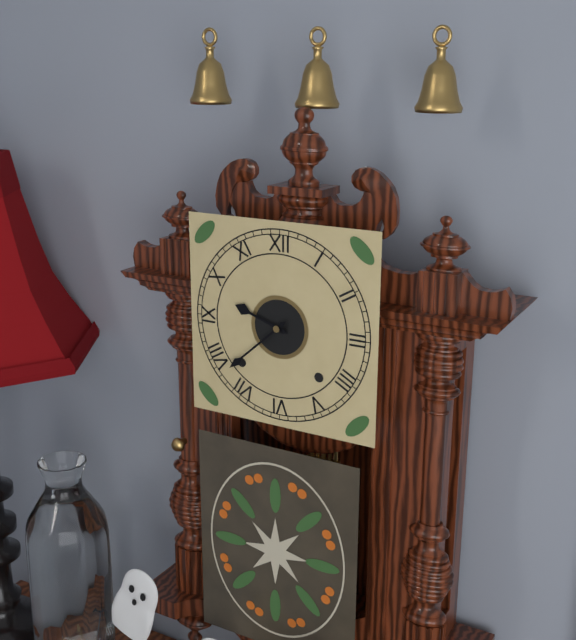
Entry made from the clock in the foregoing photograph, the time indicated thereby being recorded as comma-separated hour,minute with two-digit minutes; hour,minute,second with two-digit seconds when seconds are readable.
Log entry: 9,38
